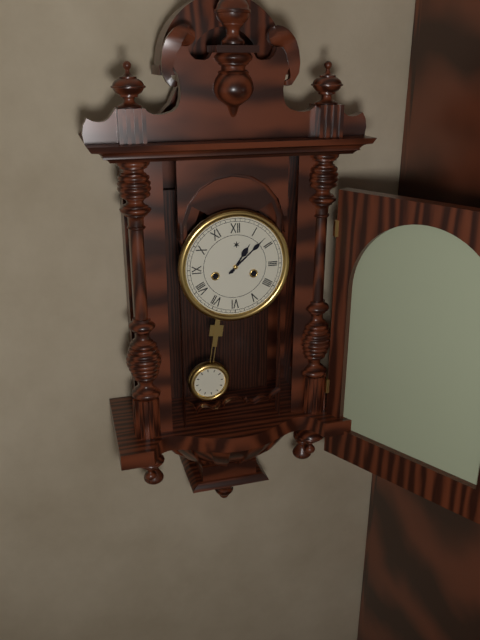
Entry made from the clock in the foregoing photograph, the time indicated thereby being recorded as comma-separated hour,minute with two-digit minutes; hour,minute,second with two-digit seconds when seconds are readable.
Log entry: 1,08
